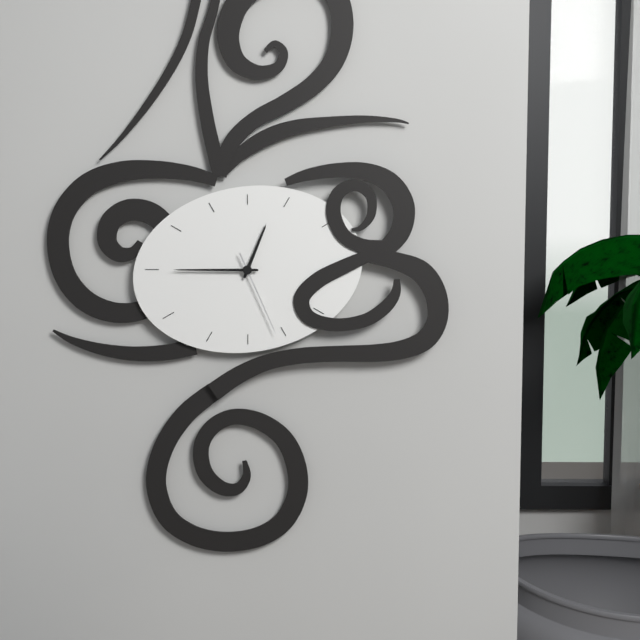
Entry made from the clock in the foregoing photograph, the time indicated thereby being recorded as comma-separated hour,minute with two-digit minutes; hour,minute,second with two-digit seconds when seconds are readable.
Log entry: 12,45,26
